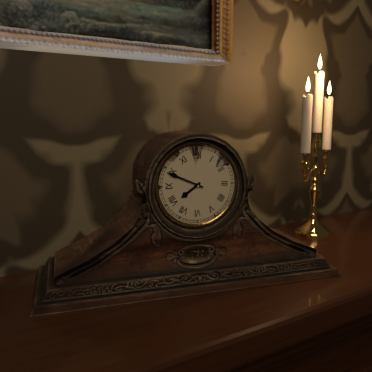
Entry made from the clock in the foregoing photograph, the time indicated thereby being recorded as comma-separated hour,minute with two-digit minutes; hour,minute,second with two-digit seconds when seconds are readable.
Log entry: 7,49
